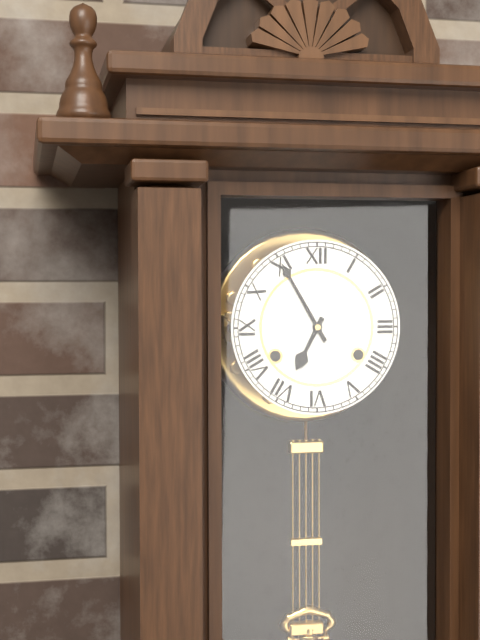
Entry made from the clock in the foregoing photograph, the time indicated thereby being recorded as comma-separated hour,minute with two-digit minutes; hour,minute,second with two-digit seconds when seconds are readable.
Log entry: 6,55
